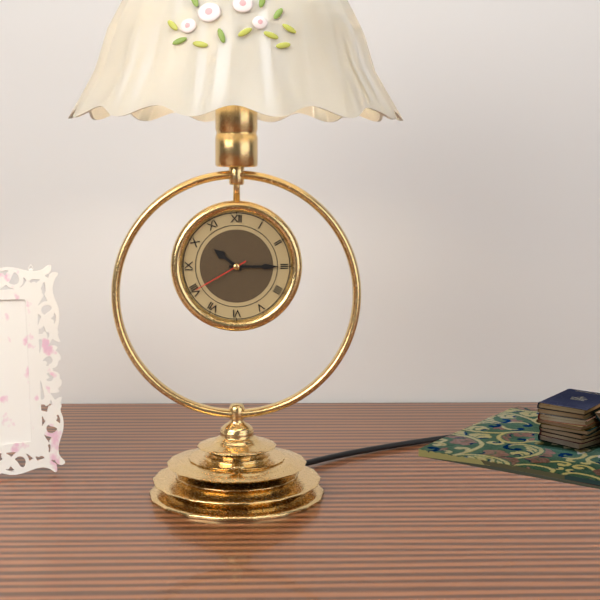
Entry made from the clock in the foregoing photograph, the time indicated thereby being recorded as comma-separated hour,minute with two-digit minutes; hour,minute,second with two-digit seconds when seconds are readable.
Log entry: 10,15,40
